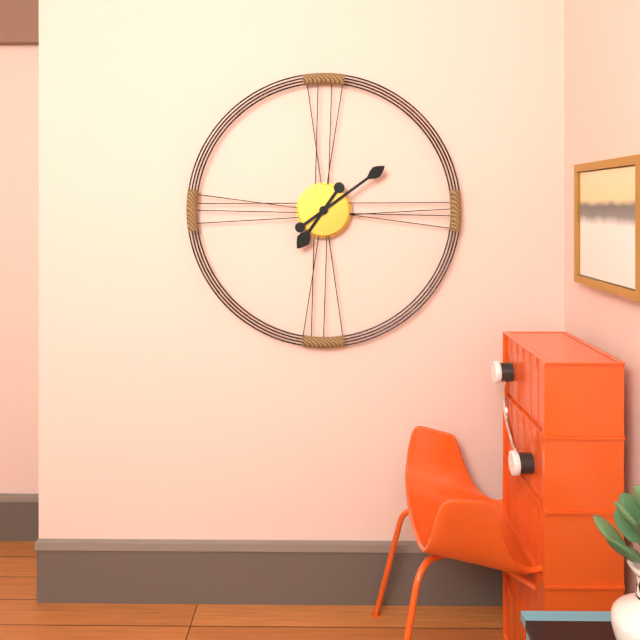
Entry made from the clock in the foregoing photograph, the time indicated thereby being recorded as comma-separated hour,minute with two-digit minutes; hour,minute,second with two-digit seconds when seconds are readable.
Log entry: 7,09
